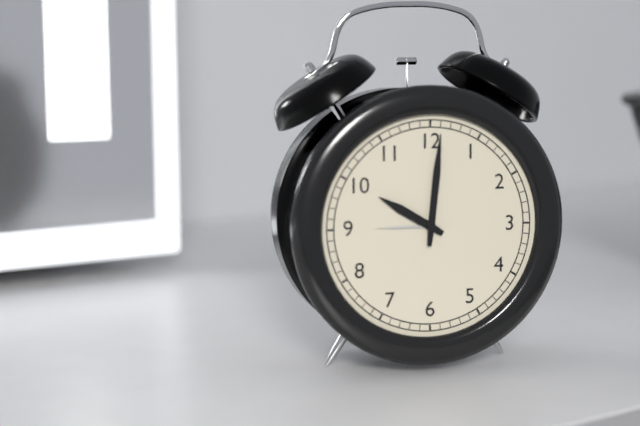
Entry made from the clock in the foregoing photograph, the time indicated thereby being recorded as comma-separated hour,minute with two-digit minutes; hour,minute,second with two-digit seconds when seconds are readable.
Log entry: 10,01
